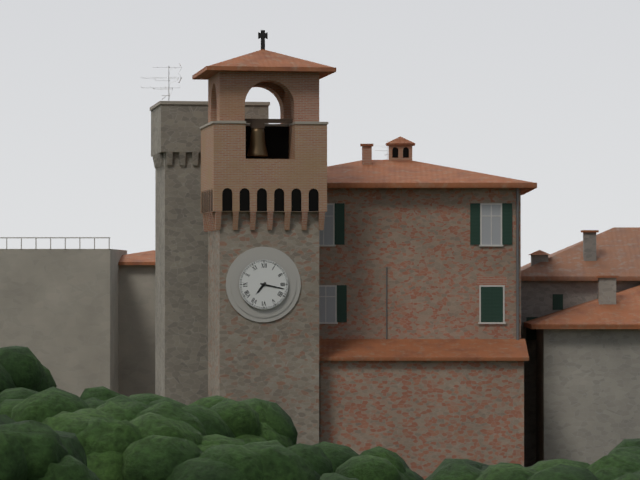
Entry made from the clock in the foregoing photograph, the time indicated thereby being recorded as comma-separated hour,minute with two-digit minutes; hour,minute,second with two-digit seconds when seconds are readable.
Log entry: 7,17
